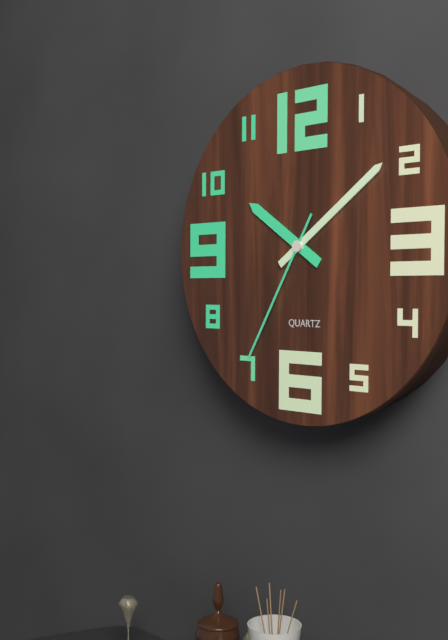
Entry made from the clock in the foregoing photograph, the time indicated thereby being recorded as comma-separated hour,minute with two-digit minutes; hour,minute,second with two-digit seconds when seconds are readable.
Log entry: 10,09,35
